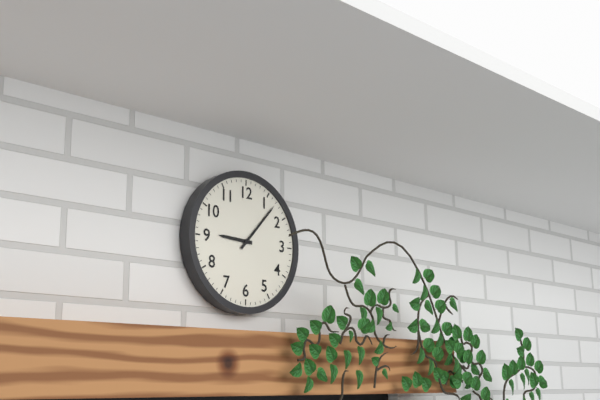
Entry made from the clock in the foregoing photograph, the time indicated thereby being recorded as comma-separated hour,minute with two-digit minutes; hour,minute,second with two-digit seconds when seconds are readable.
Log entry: 9,07
